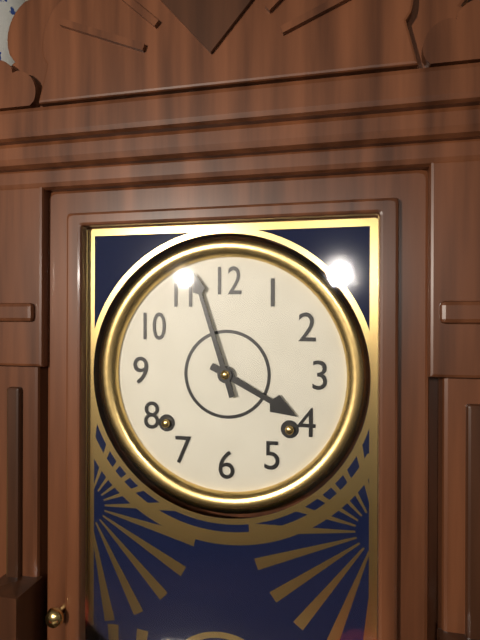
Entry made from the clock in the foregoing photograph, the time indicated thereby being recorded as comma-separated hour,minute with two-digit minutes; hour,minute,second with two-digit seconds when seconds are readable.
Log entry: 3,57
